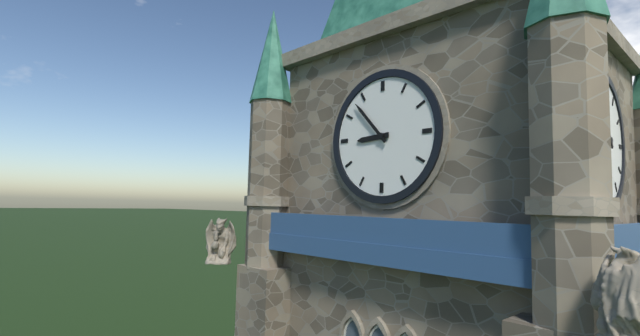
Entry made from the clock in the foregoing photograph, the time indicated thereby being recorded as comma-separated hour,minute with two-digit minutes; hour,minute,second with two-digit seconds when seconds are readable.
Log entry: 8,53
